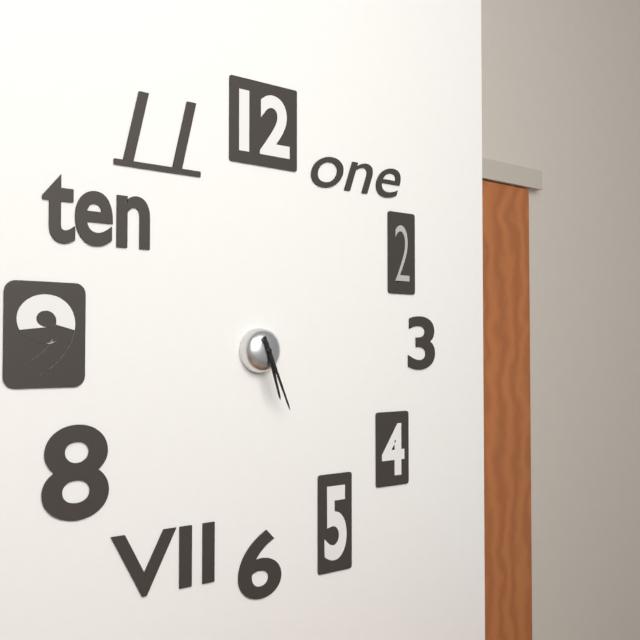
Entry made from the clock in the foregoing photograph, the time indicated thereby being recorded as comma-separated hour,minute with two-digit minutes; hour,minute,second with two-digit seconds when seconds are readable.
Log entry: 5,26
